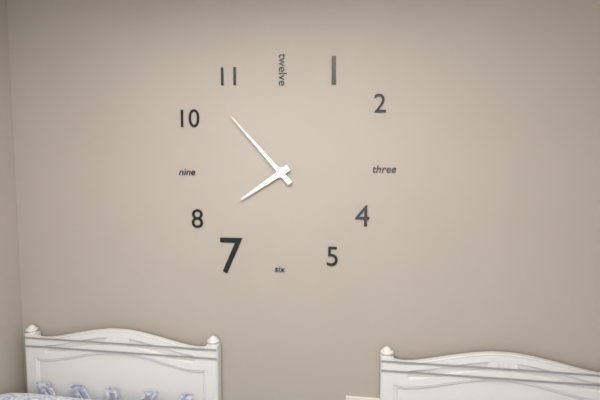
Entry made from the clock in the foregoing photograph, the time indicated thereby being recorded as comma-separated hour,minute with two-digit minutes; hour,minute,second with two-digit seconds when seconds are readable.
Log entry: 7,53
